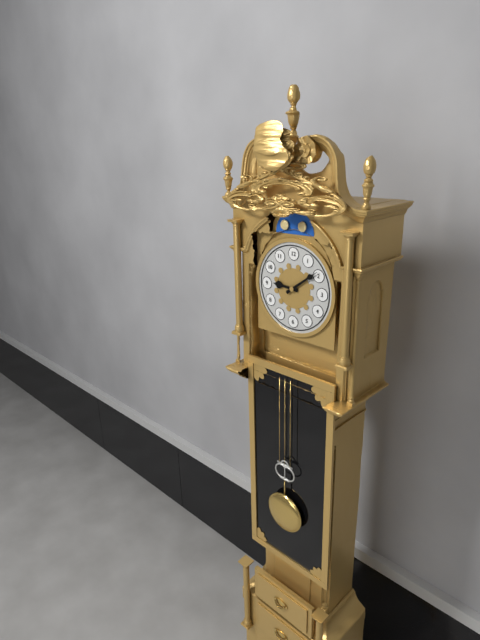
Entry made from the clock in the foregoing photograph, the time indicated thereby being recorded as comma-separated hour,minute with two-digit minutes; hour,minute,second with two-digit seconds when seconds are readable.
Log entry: 9,09
